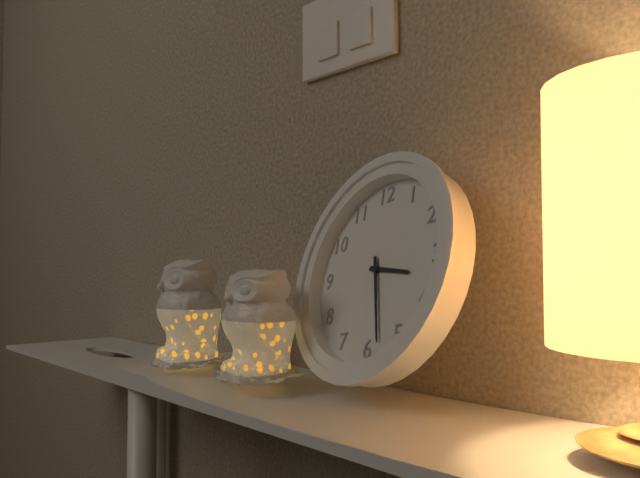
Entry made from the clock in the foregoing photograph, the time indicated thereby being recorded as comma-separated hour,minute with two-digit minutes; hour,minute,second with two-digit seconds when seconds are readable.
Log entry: 3,28
